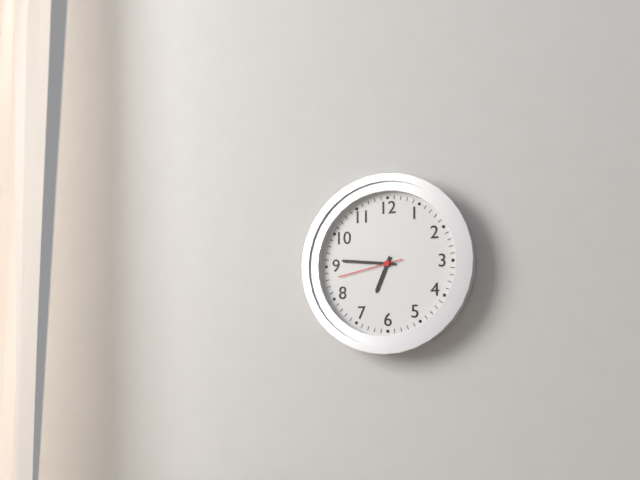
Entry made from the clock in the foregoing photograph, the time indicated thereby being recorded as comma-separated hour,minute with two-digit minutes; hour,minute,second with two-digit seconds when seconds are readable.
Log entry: 6,46,43
